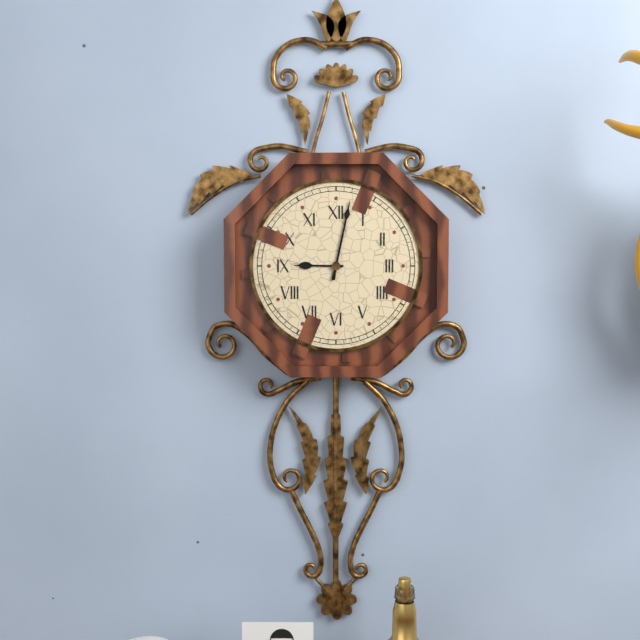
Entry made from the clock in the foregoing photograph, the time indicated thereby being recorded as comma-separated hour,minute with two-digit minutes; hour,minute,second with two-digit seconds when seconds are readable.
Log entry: 9,02
